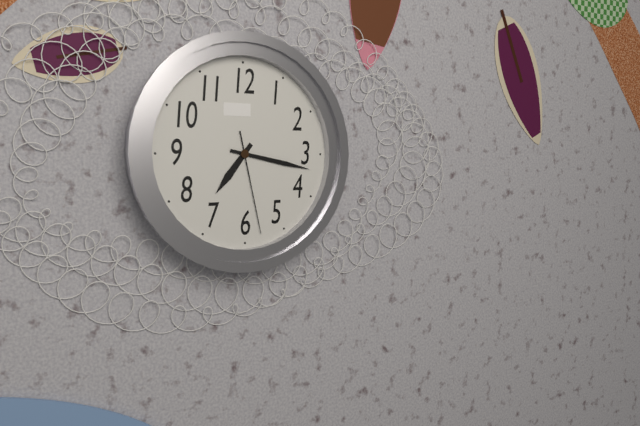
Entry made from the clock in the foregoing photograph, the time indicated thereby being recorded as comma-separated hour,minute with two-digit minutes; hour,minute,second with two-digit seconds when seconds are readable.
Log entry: 7,17,28
